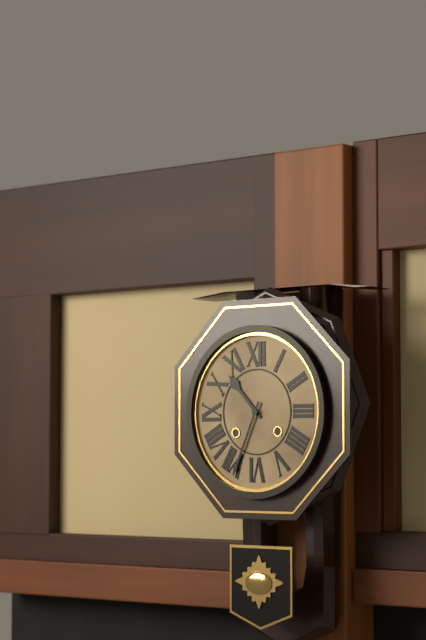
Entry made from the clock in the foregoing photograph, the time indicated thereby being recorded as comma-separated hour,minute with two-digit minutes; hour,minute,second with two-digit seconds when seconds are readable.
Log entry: 10,34
